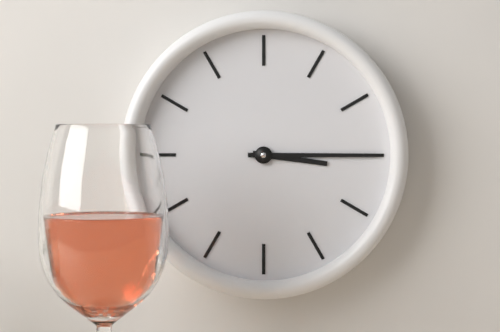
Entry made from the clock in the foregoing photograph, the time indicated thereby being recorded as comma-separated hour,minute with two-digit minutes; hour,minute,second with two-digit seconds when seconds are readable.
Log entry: 3,15
